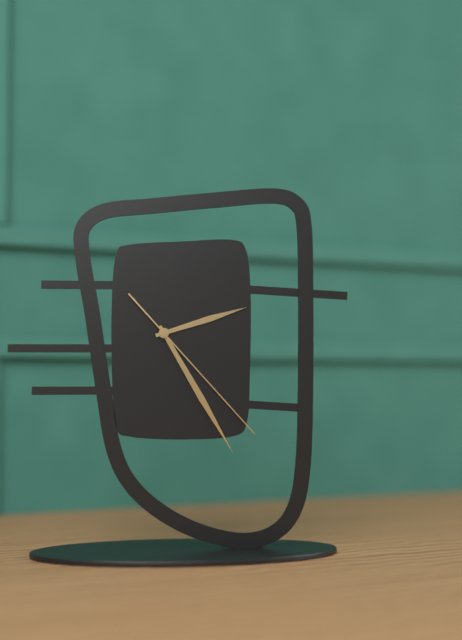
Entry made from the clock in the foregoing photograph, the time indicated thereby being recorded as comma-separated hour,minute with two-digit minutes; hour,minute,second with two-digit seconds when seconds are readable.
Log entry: 2,25,23
